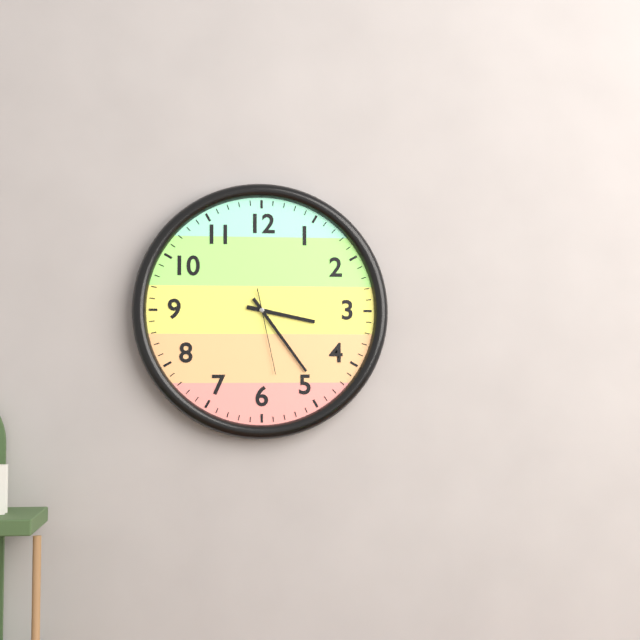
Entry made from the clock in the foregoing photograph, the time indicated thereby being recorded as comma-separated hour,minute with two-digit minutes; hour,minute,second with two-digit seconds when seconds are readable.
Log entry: 3,24,28
